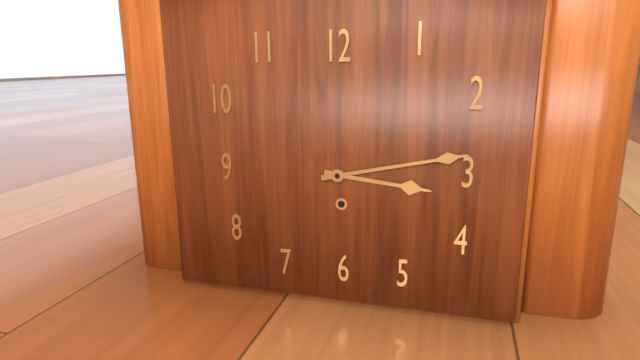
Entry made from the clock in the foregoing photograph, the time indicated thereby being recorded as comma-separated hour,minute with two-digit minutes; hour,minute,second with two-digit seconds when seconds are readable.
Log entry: 3,13
